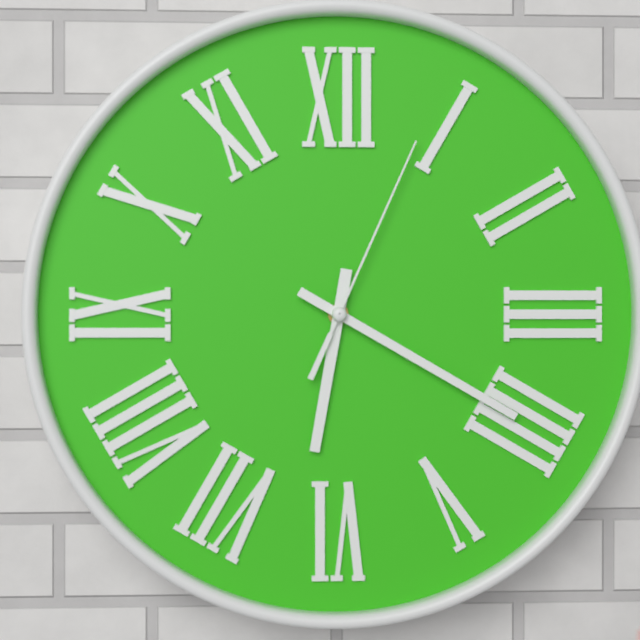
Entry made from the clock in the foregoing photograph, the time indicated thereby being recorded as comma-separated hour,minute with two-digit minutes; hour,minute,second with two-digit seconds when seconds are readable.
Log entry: 6,20,04
